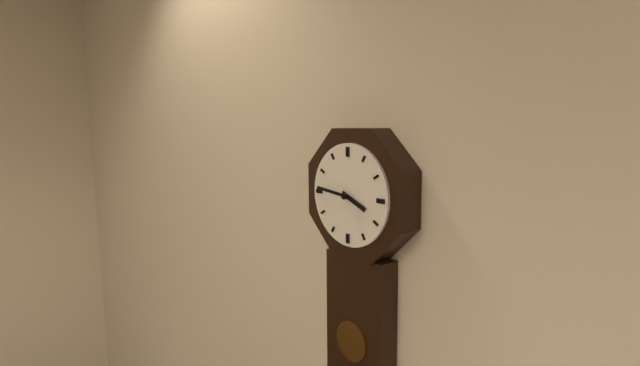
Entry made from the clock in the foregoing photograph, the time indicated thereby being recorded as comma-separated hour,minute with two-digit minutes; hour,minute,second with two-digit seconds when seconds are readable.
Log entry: 3,46
